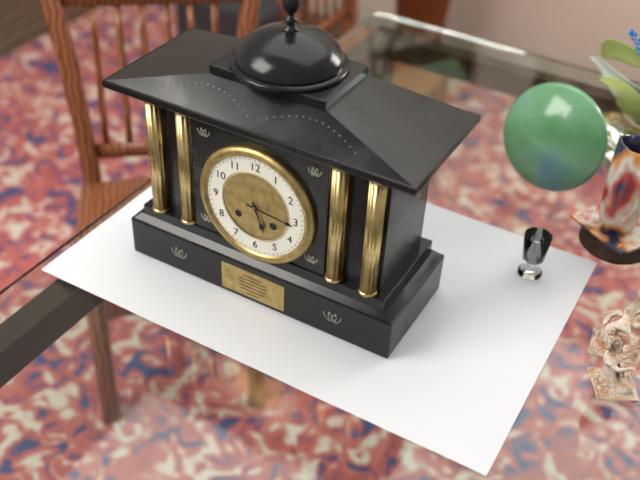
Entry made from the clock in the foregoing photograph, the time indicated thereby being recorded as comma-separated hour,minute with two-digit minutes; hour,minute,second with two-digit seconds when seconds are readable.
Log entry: 5,16
